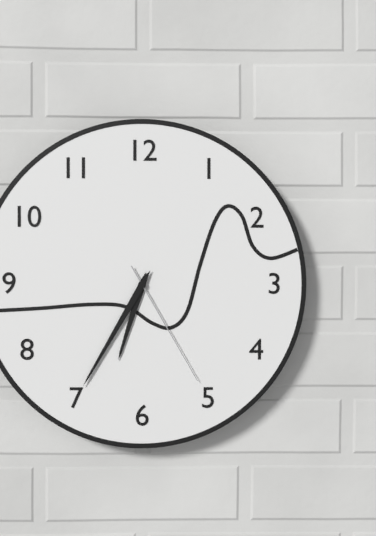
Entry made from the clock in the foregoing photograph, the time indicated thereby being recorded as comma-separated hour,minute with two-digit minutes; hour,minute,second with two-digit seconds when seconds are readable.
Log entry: 6,35,25
